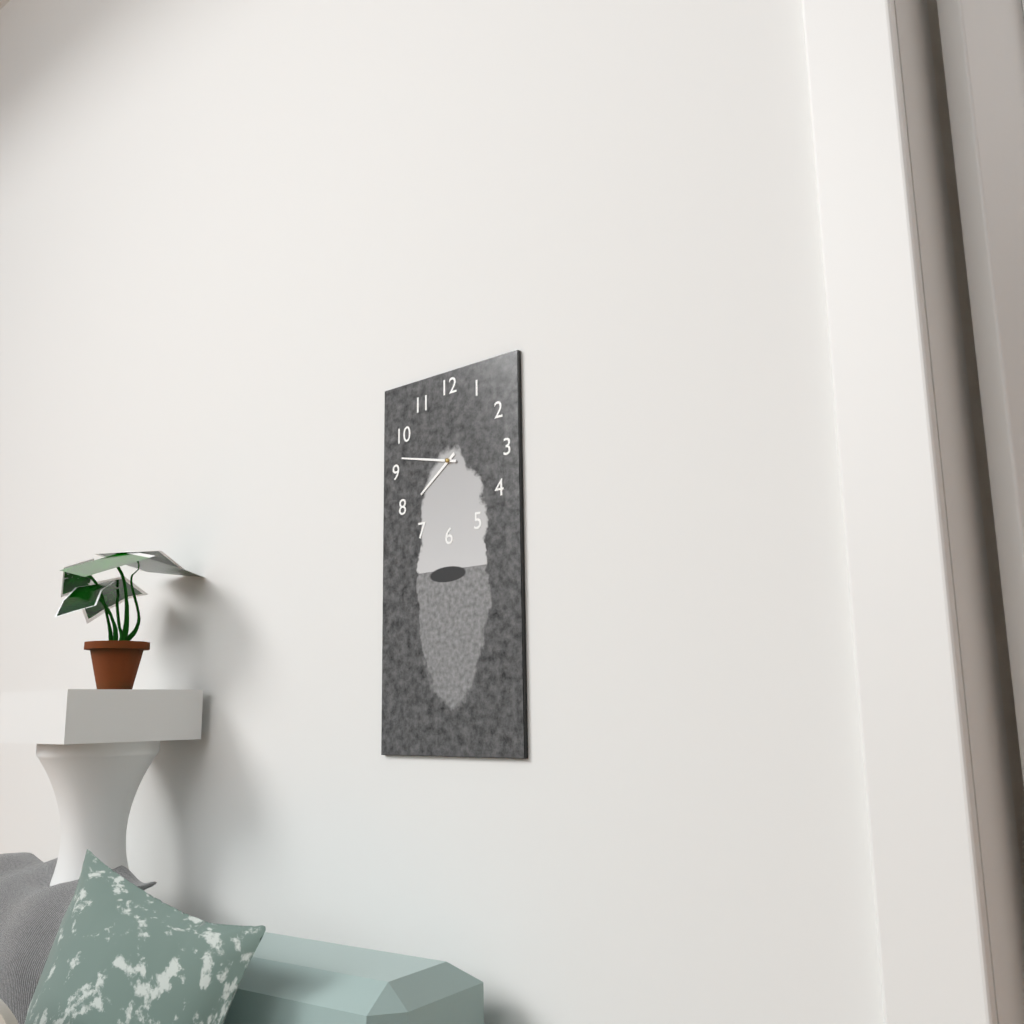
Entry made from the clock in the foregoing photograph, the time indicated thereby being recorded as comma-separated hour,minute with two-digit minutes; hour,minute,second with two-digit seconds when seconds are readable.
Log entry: 7,47
